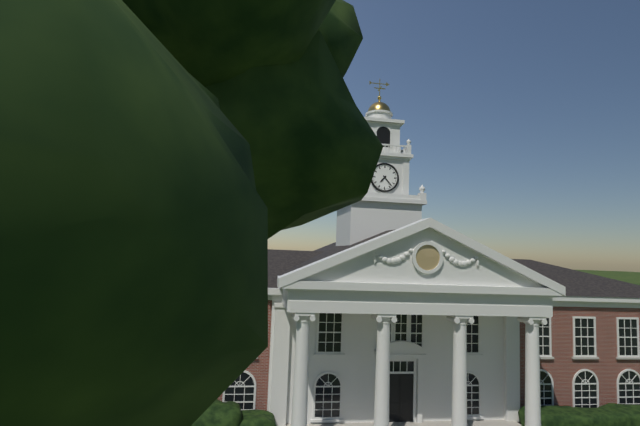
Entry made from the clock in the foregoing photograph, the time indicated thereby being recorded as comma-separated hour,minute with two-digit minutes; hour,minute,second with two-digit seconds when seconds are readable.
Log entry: 7,23
